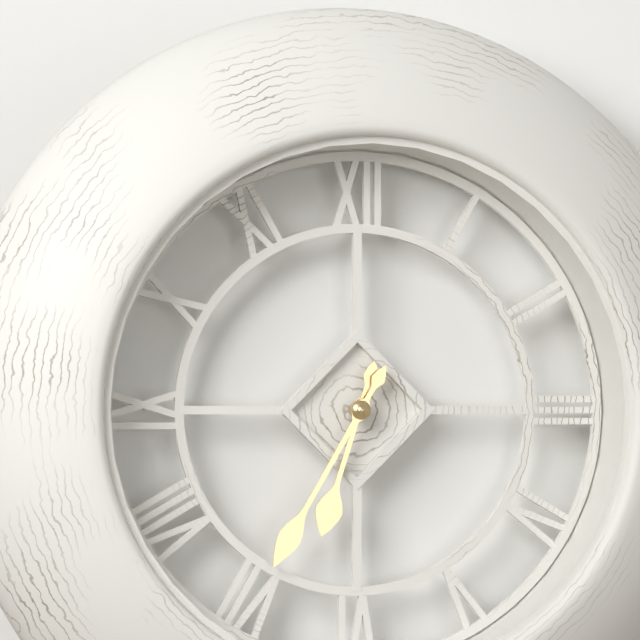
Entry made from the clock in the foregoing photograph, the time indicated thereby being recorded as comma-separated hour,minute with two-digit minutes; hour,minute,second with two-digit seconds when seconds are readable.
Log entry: 6,35
